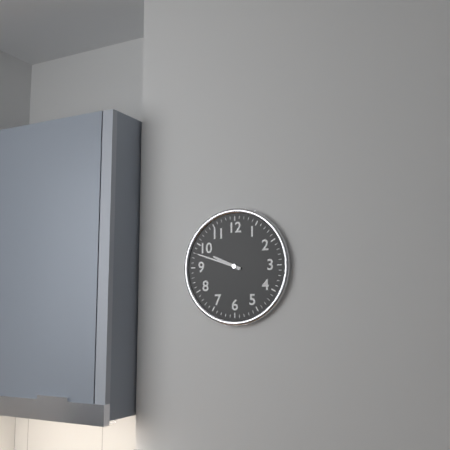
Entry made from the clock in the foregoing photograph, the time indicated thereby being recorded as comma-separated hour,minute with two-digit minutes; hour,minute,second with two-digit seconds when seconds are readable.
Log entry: 9,48
